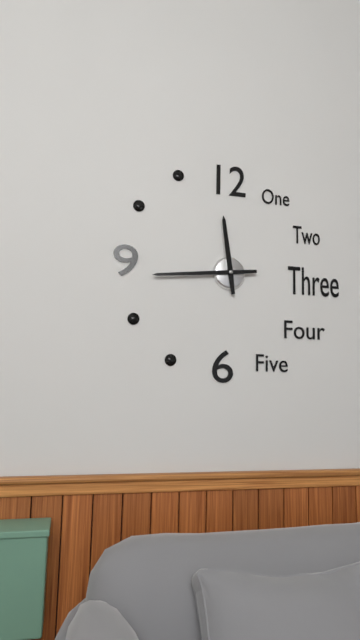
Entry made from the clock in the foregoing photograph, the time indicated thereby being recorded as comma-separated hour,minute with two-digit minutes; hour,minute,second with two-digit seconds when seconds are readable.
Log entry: 11,44
